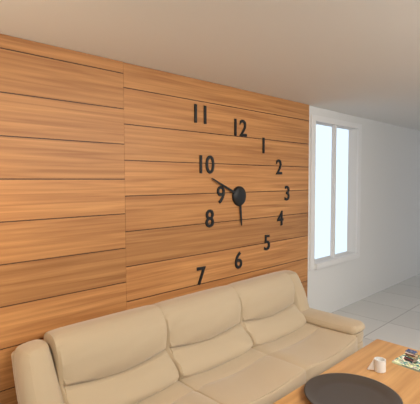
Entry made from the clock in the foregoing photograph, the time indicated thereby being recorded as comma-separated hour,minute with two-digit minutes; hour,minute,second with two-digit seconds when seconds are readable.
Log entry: 5,49
